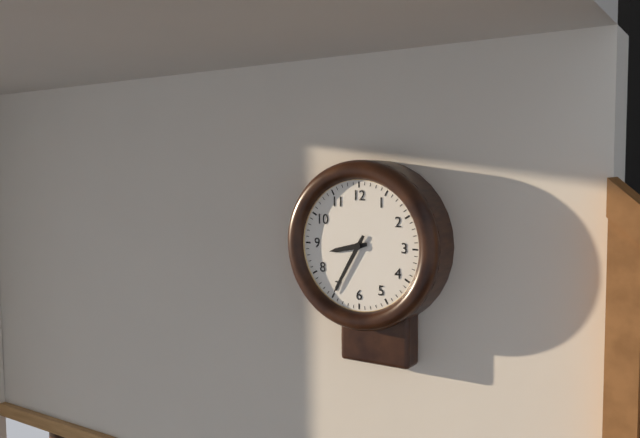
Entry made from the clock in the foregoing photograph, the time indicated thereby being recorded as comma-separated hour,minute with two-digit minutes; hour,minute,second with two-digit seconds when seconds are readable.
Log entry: 8,35
